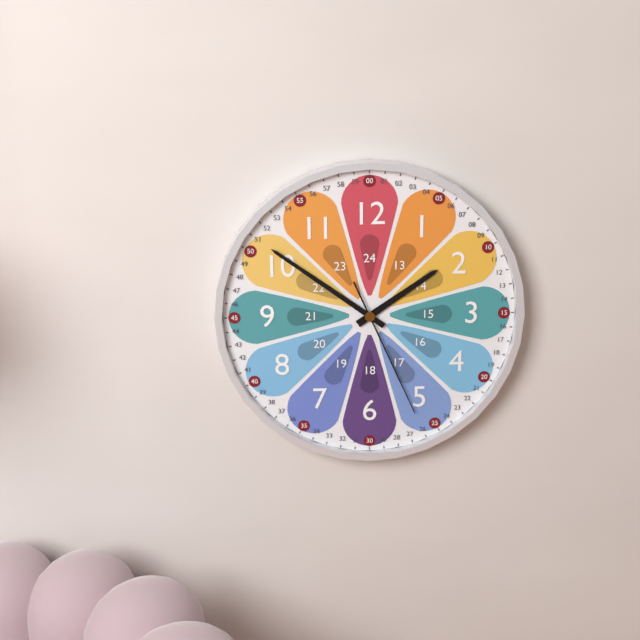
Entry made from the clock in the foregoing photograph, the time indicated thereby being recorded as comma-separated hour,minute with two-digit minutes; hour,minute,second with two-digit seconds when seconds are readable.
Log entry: 1,51,26
